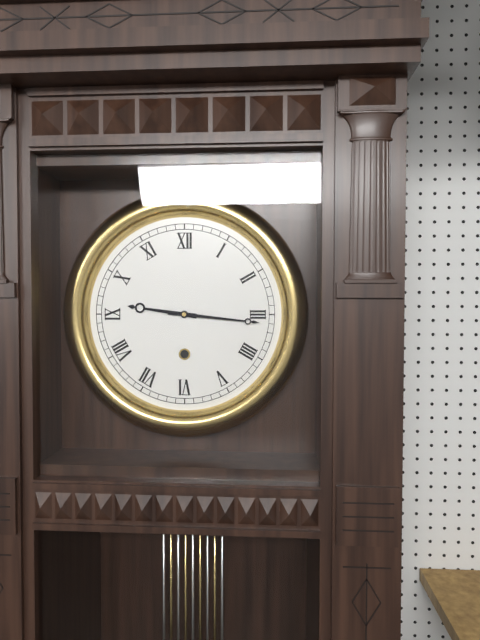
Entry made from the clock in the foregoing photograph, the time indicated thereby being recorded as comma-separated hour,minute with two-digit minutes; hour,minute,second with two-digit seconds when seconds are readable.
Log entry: 9,16
